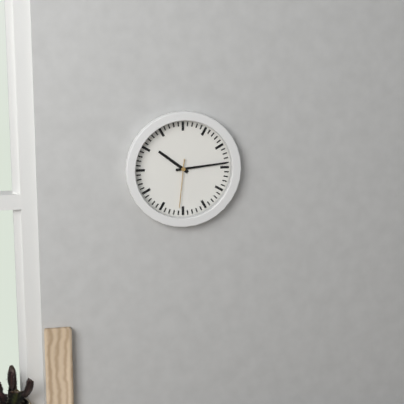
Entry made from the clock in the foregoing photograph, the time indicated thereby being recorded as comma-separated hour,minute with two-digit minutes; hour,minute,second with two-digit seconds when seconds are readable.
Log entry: 10,14
